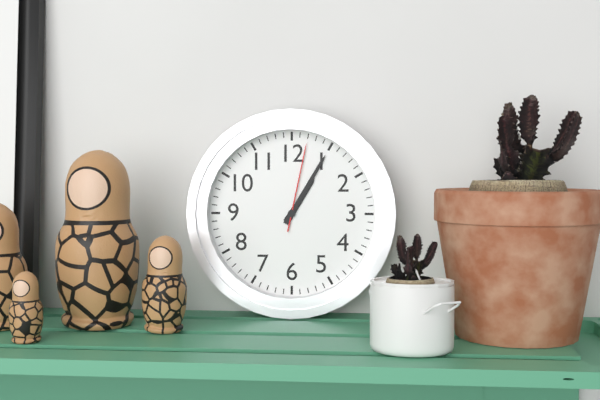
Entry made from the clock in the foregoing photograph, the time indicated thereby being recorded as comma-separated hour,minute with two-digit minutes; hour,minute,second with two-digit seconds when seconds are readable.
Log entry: 1,05,02
